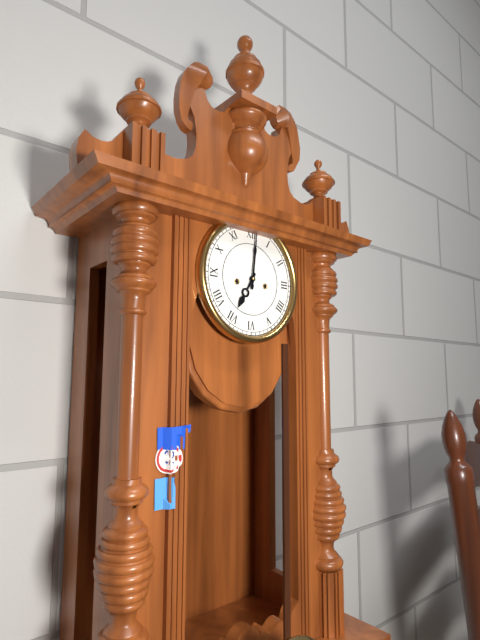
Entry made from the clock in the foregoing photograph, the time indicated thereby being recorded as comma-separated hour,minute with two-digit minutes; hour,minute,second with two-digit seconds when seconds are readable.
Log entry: 7,01
